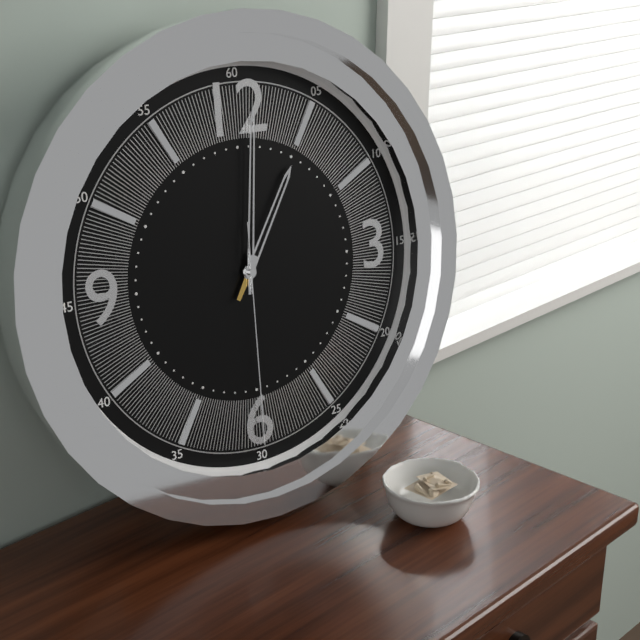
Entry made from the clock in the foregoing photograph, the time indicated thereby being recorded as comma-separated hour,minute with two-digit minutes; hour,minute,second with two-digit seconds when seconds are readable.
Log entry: 1,01,30
